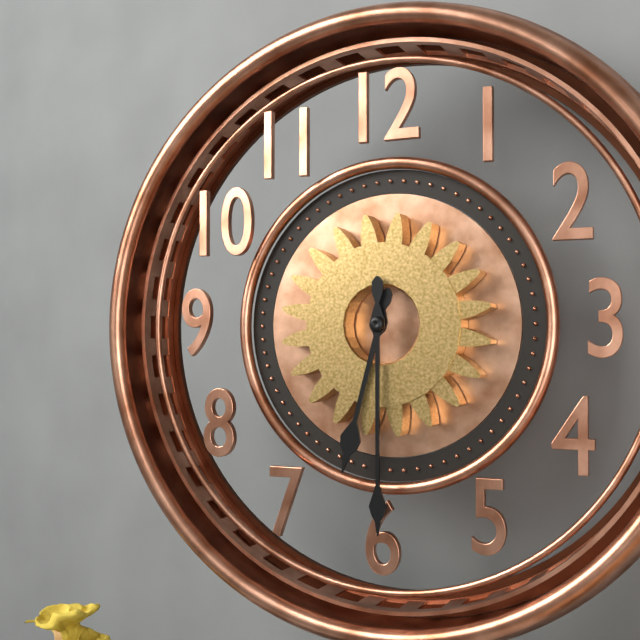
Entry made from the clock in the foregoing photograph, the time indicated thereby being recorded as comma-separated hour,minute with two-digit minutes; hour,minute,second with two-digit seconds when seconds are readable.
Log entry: 6,30
